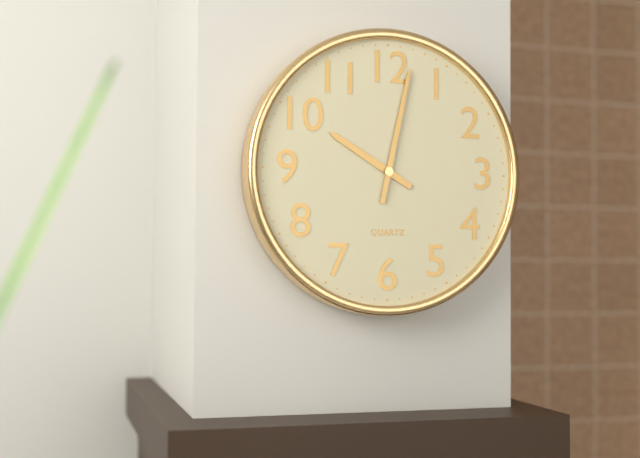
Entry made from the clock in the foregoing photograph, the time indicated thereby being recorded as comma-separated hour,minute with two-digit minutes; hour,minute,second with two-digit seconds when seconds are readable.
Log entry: 10,02
